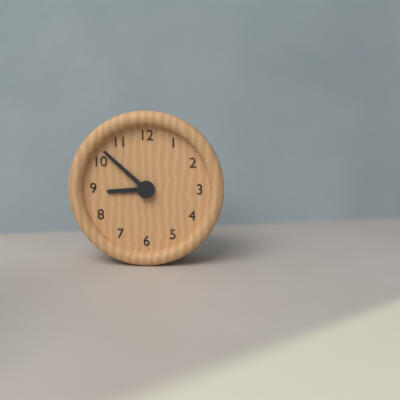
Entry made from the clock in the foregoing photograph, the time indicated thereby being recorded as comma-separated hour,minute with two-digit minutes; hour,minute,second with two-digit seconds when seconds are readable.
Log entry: 8,52
